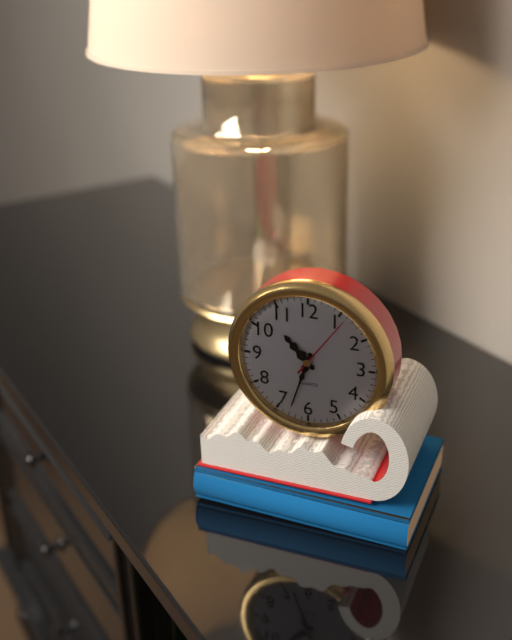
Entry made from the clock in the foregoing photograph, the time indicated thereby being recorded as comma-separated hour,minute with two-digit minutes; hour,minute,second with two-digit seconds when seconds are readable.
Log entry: 10,33,06
